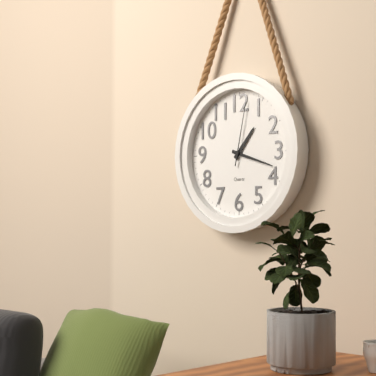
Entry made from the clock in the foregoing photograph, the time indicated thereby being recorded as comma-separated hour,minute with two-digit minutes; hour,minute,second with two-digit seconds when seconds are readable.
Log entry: 1,18,02
